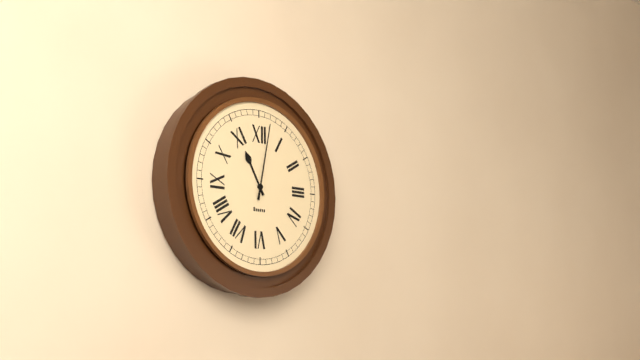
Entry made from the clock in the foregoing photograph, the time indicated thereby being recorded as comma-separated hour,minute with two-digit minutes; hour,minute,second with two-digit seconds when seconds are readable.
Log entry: 11,02
